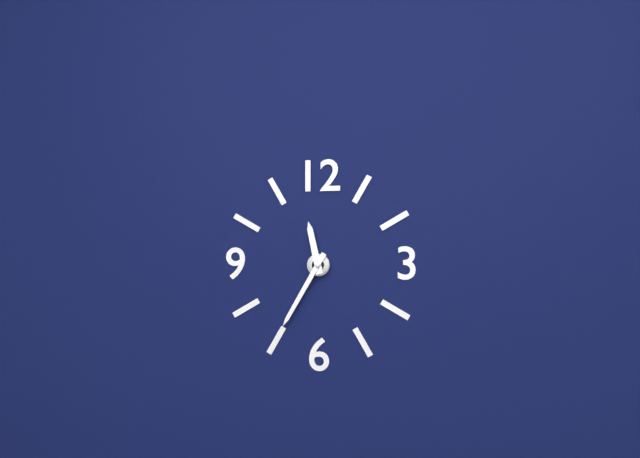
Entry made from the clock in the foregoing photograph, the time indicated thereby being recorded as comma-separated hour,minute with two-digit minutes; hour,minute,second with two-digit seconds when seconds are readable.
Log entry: 11,35
